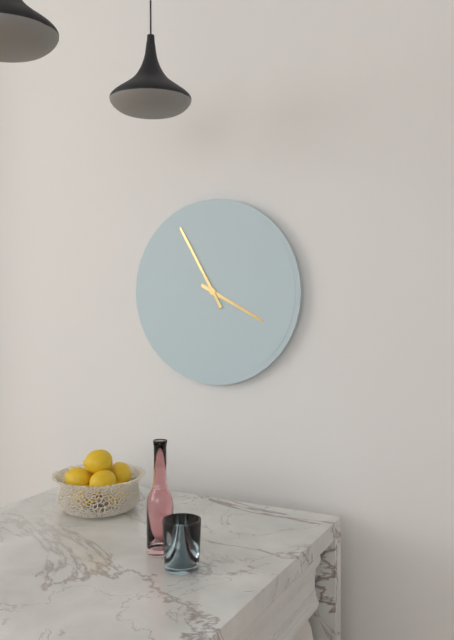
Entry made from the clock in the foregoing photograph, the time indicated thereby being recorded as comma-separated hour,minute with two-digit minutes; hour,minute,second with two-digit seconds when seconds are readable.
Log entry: 3,55
